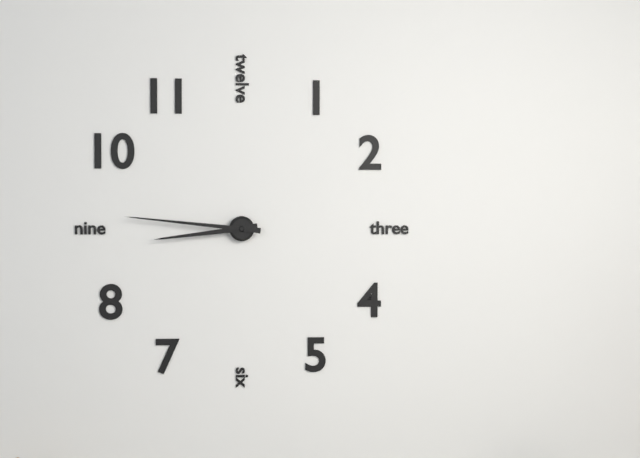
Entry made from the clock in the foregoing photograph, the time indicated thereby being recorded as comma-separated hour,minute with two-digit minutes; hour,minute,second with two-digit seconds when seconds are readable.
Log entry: 8,46
